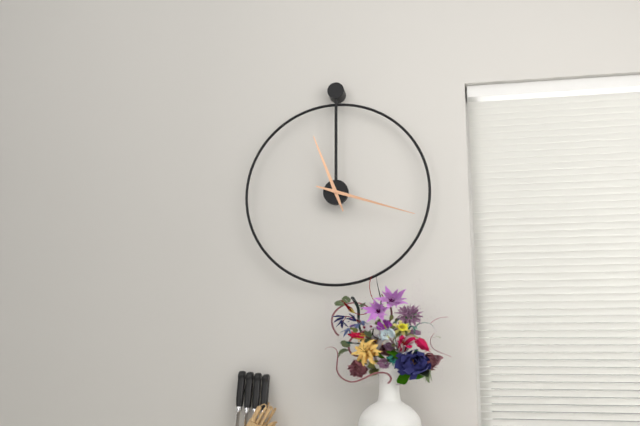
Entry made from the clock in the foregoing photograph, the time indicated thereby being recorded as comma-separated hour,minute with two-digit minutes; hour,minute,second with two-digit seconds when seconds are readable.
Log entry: 11,18
